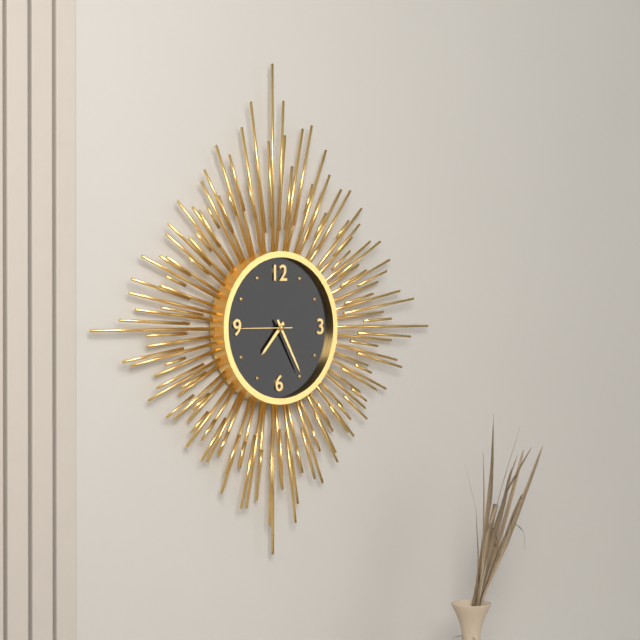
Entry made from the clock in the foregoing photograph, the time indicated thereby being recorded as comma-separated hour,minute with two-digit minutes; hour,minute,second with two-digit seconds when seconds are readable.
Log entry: 7,25,45
